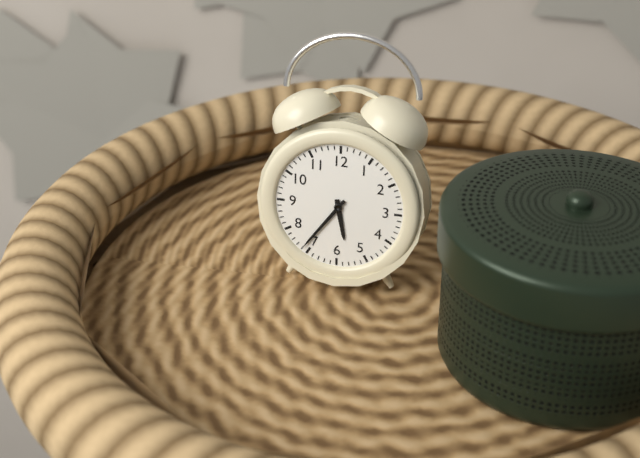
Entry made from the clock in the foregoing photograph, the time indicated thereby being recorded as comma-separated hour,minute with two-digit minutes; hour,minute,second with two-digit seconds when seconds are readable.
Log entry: 5,36
